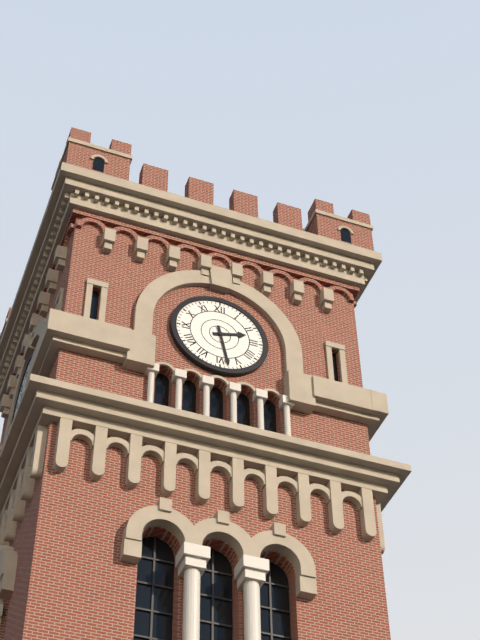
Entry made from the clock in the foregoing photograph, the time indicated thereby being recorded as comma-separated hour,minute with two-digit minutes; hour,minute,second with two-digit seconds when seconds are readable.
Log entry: 2,28
